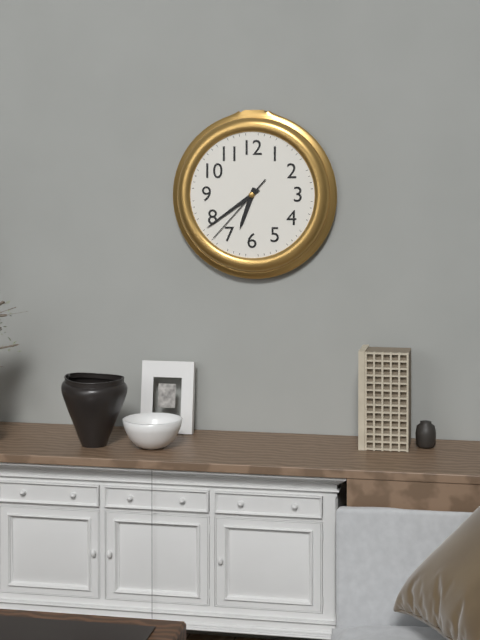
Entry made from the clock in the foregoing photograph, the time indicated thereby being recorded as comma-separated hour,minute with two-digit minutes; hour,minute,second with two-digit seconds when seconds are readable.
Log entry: 6,39,37
